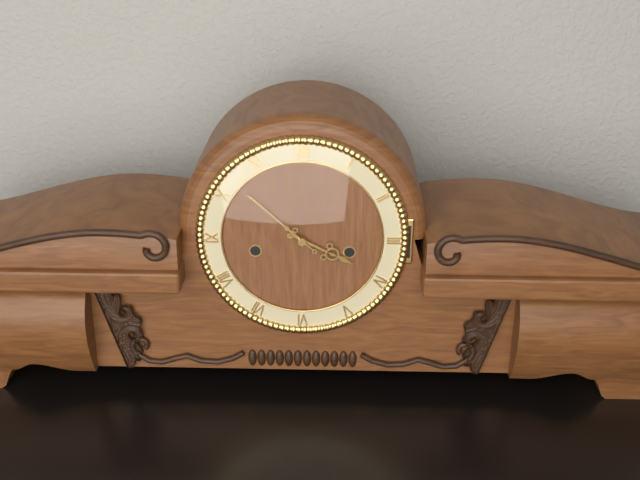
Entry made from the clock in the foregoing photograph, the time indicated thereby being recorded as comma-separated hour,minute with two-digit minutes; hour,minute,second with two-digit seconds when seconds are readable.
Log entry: 3,52
